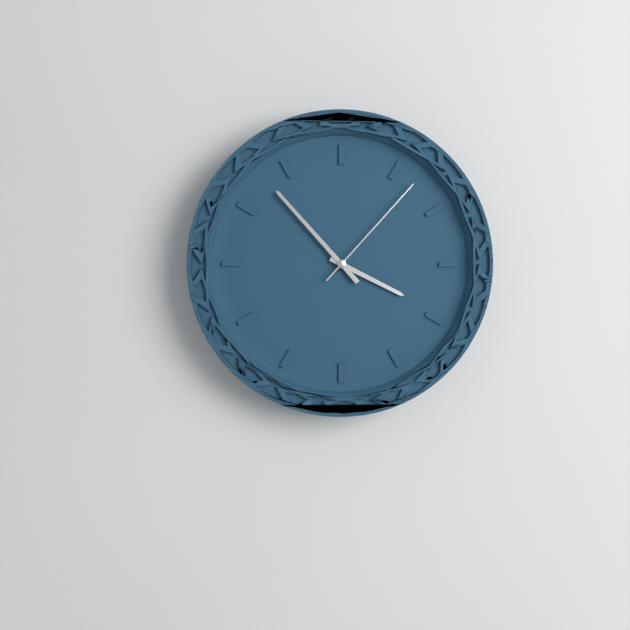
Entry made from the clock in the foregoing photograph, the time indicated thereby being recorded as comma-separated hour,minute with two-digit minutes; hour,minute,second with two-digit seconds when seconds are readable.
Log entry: 3,53,07
